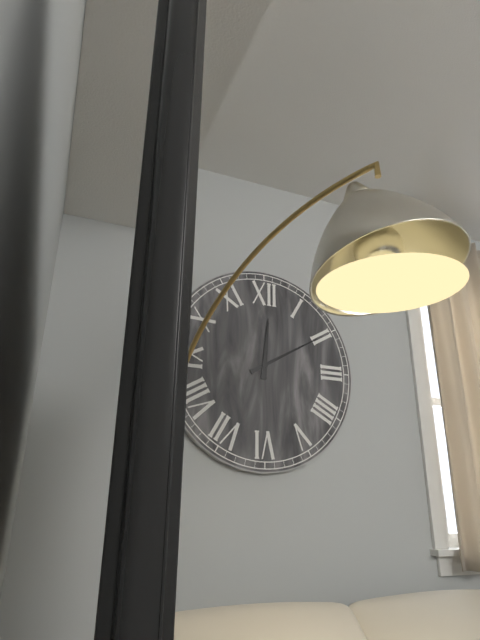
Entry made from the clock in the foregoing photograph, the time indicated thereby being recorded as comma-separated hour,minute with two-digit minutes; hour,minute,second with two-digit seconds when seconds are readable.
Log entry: 12,10
